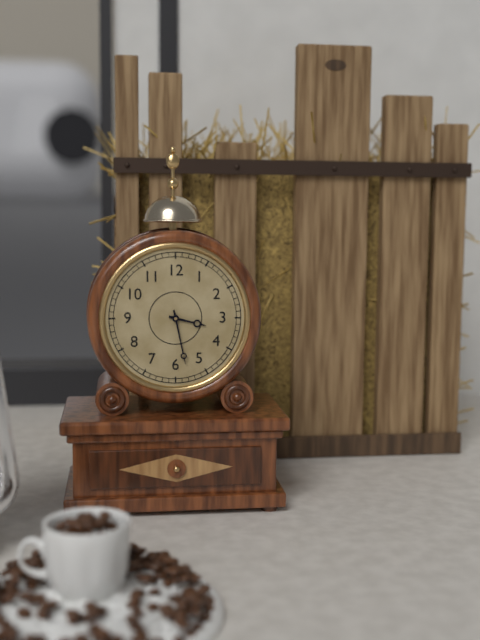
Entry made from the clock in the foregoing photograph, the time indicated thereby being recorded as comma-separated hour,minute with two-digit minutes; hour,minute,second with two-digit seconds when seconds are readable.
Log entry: 3,28
